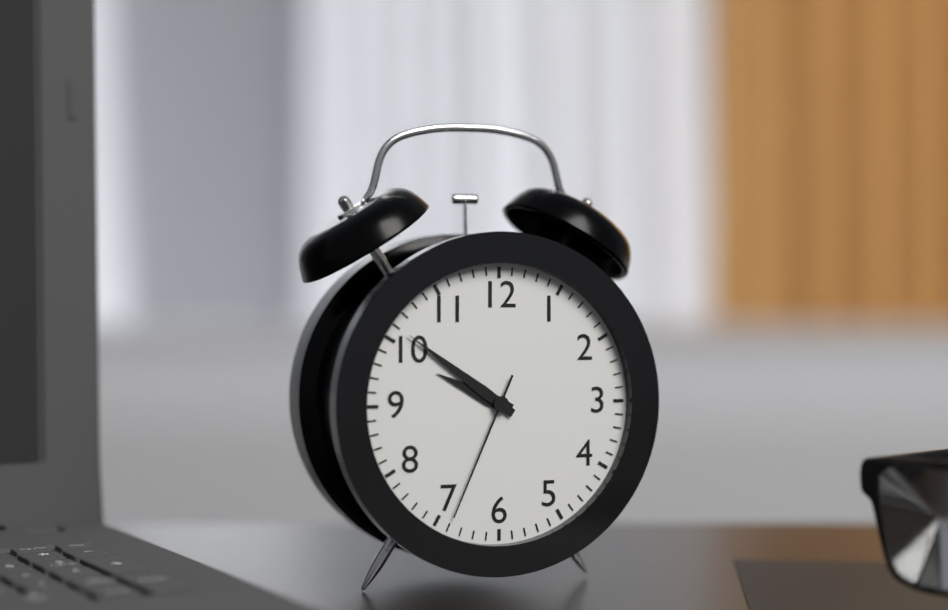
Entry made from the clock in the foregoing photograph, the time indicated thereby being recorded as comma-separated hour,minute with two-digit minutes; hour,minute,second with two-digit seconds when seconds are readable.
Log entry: 9,51,34
